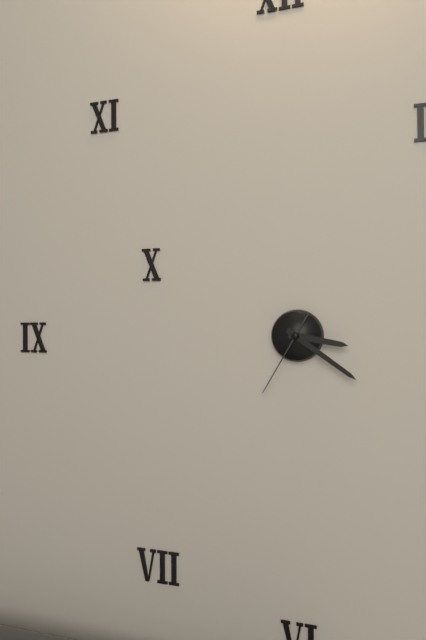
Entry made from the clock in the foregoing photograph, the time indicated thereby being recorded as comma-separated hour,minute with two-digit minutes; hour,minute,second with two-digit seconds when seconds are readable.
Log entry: 3,21,35
